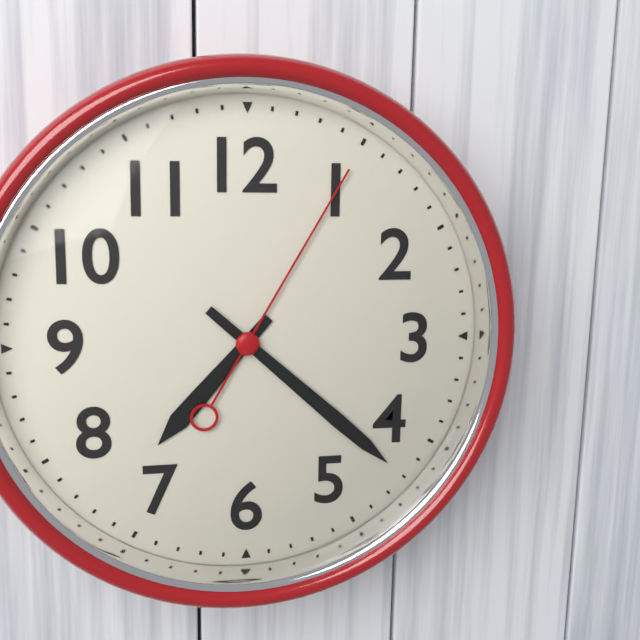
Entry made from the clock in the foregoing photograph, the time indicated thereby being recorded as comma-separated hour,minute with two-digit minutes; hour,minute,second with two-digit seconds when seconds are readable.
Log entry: 7,22,05
